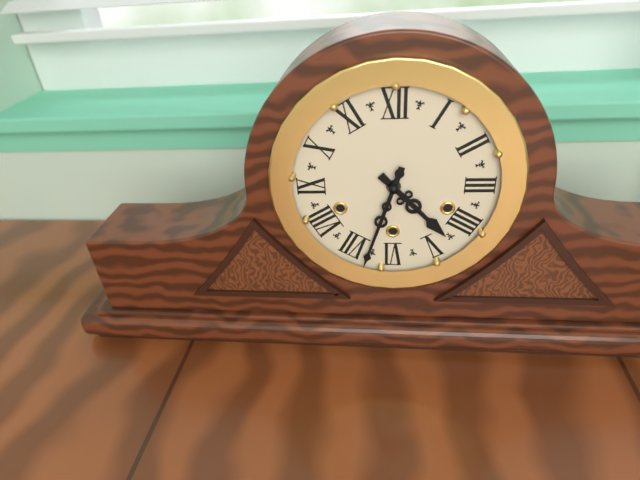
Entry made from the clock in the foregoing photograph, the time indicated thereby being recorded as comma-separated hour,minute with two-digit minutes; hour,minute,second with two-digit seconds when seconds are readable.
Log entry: 4,33
